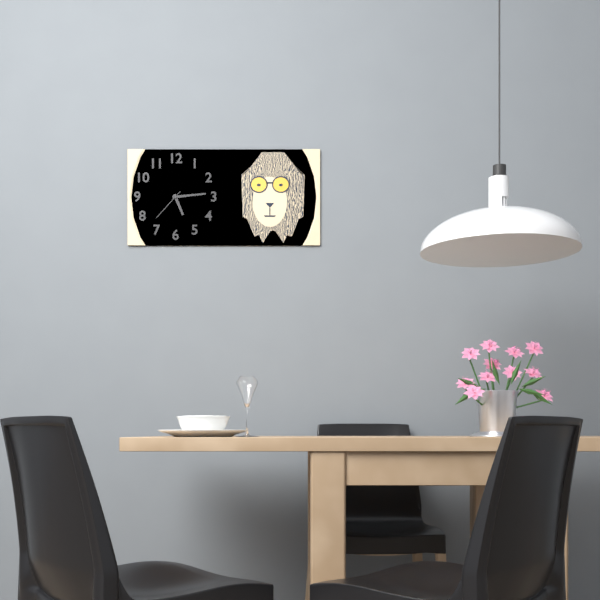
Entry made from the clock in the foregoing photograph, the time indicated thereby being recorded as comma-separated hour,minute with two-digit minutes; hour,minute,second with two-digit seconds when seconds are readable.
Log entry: 5,14
